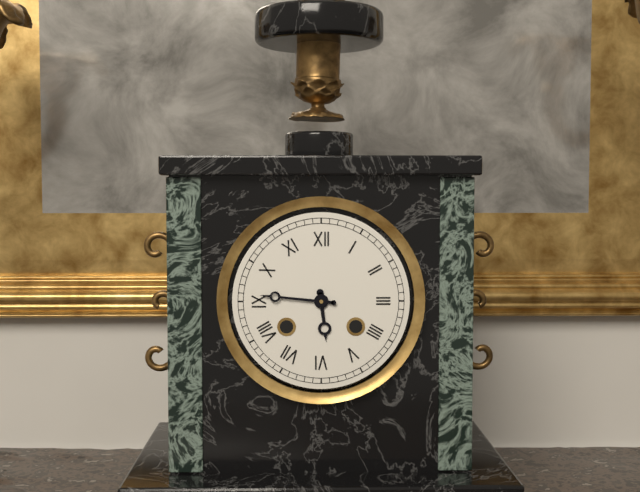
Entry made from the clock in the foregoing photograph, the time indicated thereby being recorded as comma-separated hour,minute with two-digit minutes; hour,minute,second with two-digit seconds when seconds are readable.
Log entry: 5,46
